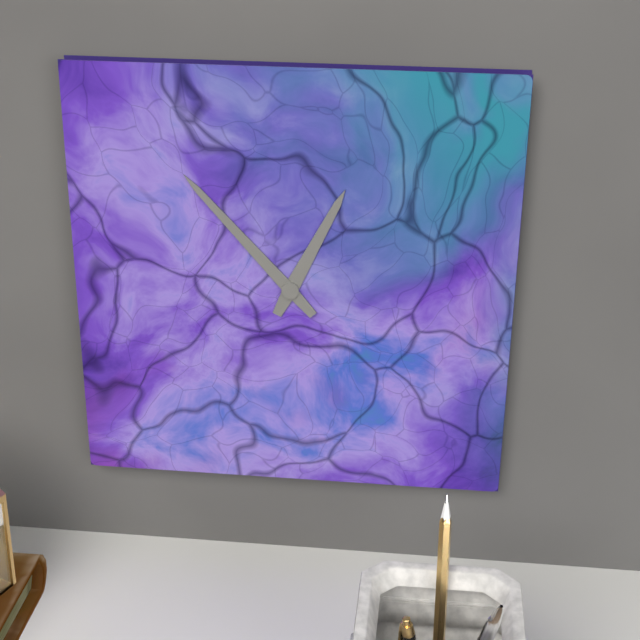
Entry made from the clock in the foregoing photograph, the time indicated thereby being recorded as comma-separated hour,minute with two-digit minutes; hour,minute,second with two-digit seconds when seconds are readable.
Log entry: 12,53
